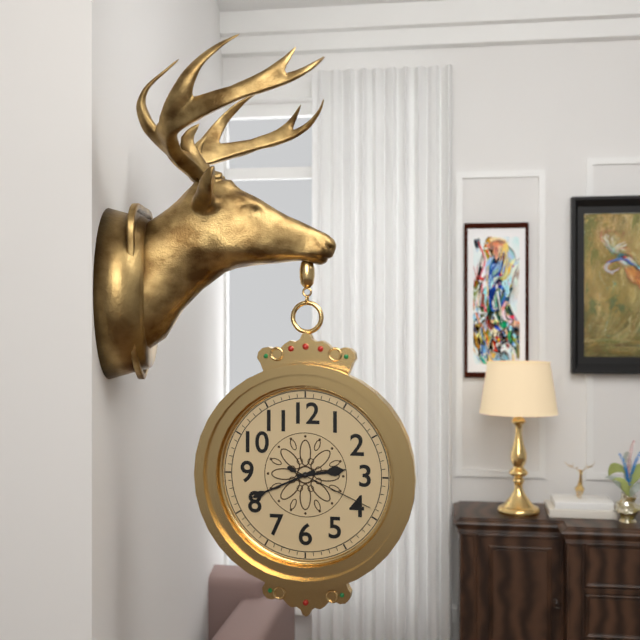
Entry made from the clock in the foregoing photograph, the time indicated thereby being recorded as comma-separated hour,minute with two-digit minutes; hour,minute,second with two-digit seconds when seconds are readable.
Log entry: 2,41,19
